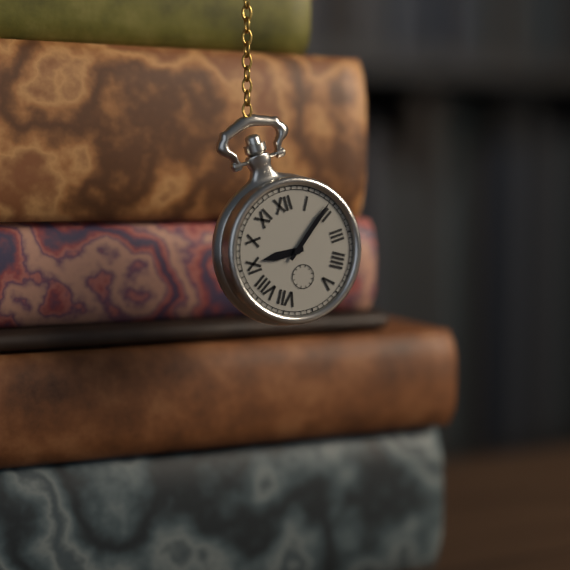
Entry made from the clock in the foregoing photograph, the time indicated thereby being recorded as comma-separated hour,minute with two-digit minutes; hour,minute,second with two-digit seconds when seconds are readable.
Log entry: 9,09
